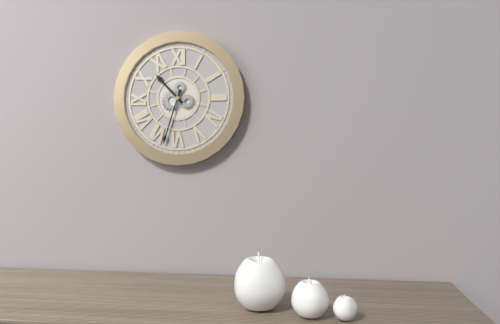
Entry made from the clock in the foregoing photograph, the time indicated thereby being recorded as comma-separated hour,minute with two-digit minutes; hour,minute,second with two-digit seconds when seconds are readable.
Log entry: 10,33
